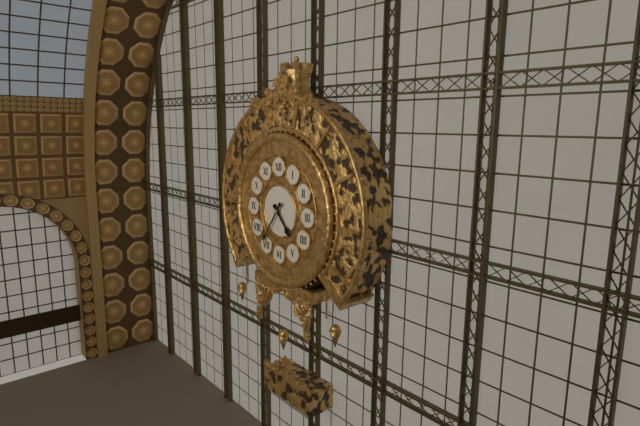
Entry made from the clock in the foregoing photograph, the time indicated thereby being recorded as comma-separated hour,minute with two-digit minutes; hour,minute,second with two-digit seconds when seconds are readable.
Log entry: 4,36
